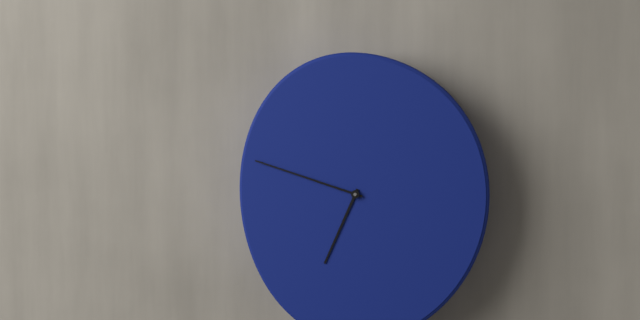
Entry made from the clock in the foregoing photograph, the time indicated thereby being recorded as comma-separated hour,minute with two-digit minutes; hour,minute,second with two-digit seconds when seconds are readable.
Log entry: 6,48
